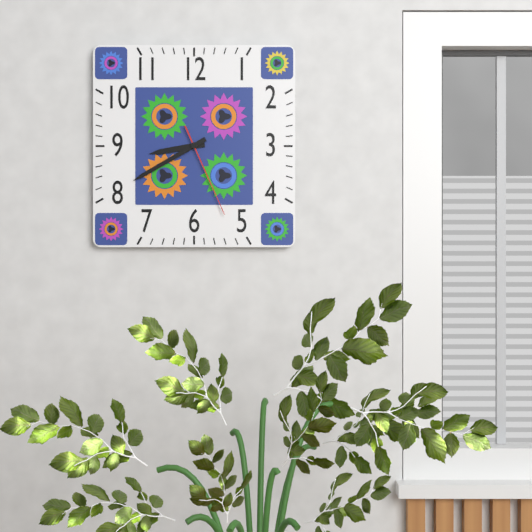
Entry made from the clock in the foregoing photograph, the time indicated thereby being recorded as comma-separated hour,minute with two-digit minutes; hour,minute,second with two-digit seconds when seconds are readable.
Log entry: 8,40,26
